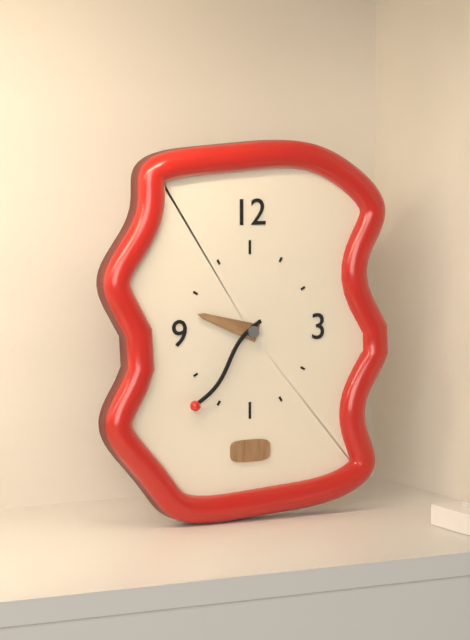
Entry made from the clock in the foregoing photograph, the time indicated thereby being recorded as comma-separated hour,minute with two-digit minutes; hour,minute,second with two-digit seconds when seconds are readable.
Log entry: 9,37
